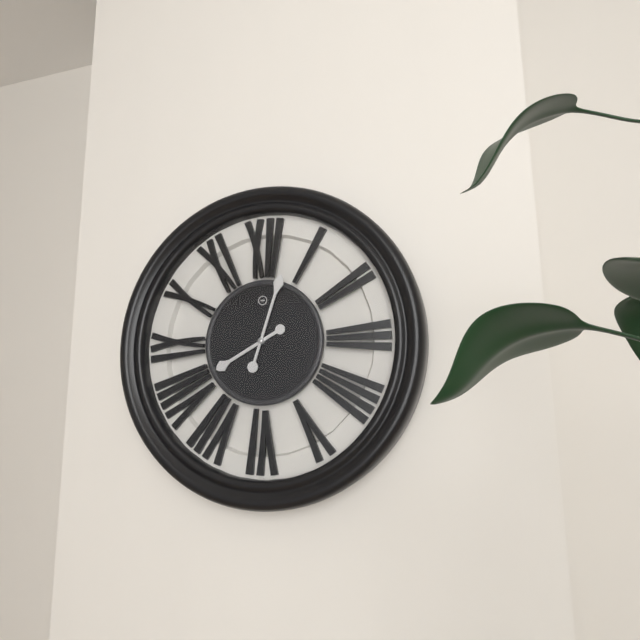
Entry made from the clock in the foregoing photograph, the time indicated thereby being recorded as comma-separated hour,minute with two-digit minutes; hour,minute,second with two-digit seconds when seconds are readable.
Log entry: 8,03
